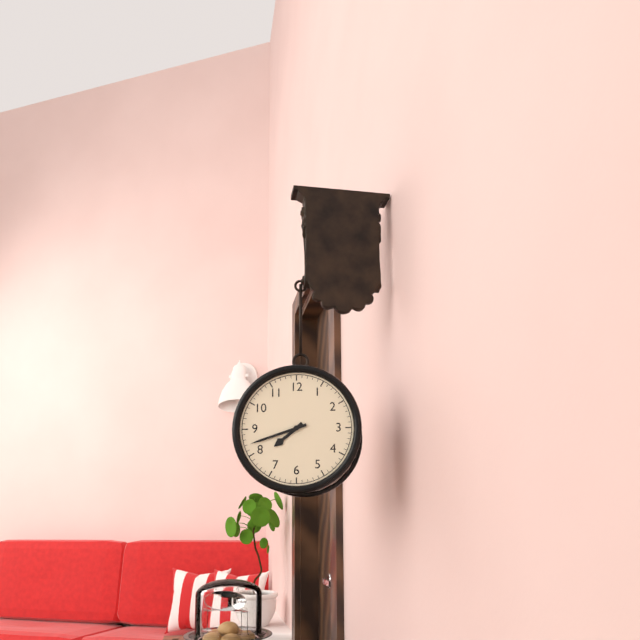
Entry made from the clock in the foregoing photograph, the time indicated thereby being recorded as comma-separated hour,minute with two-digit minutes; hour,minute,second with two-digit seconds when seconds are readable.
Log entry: 7,42
